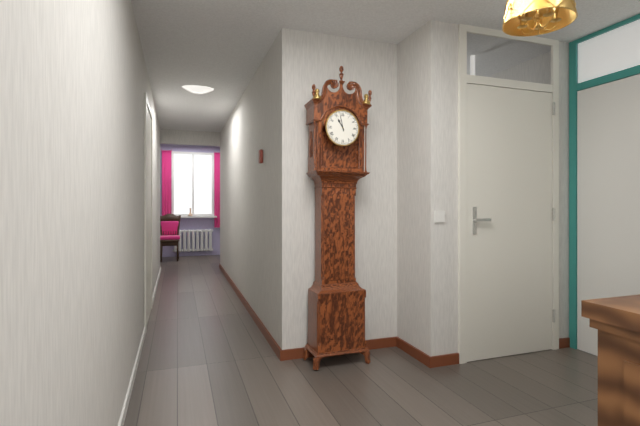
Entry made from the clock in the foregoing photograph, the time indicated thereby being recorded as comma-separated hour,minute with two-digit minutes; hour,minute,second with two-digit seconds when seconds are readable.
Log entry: 10,58
